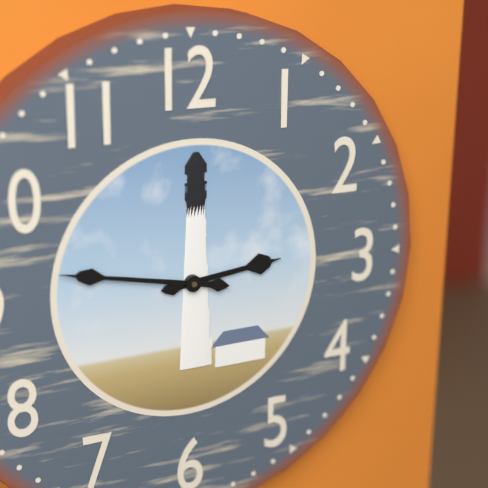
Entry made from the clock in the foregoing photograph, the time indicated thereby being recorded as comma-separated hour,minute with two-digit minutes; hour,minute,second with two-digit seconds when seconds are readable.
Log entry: 2,47
